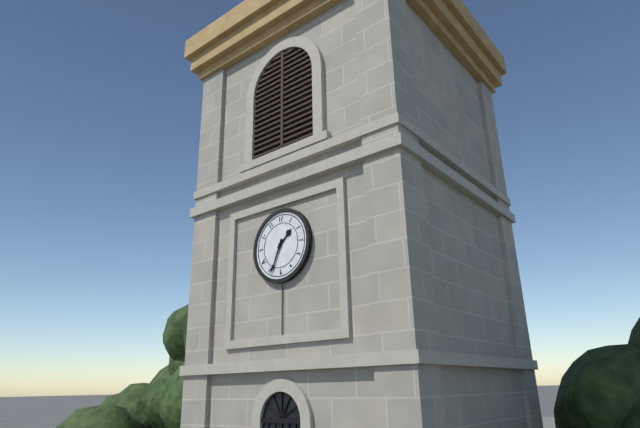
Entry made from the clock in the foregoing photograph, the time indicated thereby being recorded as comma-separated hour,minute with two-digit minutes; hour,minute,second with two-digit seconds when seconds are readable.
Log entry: 1,34
